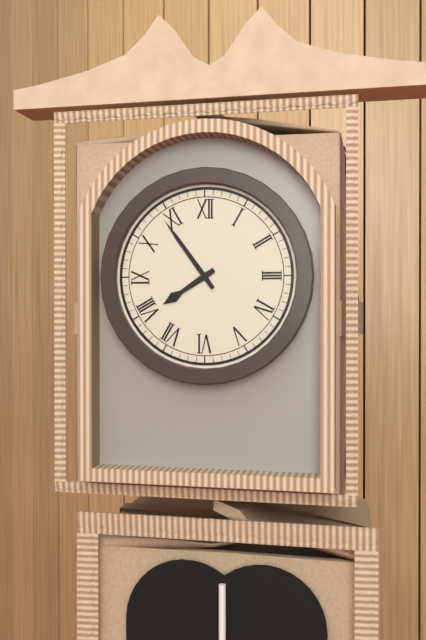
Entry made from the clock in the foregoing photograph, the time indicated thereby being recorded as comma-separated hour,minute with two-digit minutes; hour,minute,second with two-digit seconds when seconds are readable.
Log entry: 7,54
